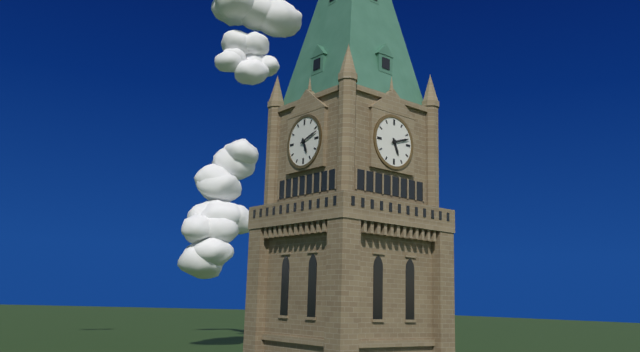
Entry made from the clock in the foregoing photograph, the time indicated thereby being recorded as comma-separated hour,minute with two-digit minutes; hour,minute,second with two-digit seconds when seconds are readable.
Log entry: 5,12
